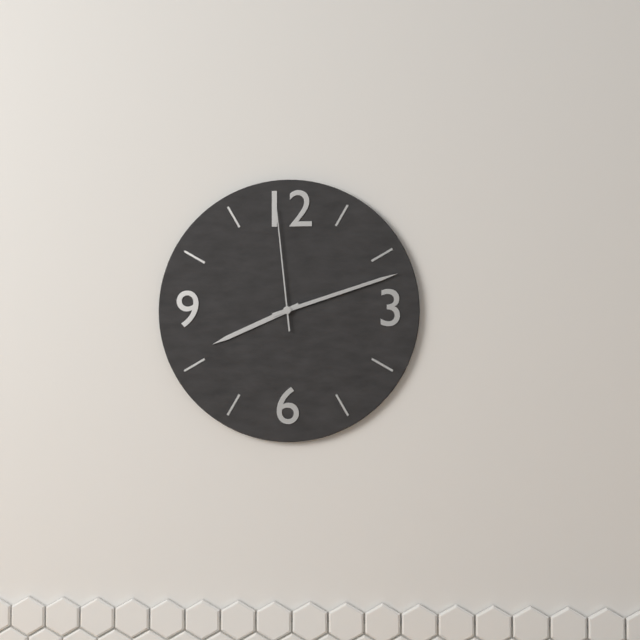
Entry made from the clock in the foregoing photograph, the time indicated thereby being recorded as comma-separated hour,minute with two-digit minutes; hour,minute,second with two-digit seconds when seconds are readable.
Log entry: 8,12,59
